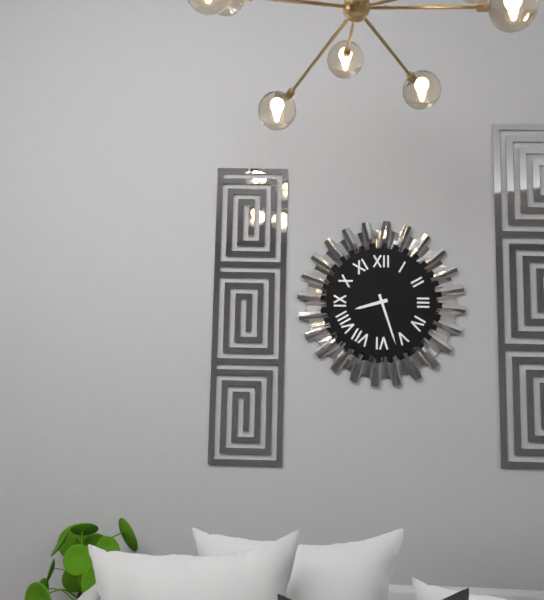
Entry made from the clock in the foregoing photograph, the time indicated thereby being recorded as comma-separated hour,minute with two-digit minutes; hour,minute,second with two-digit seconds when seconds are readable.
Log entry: 8,27
